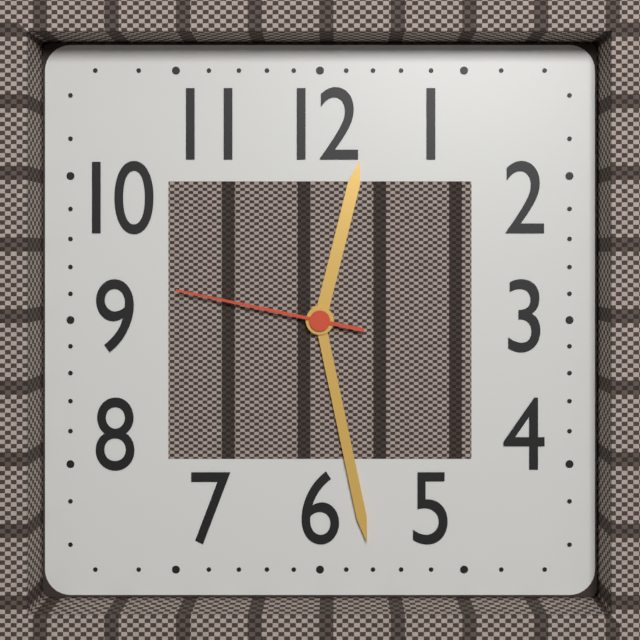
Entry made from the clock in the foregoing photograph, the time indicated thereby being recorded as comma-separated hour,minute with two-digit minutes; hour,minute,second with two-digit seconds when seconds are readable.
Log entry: 12,28,47
